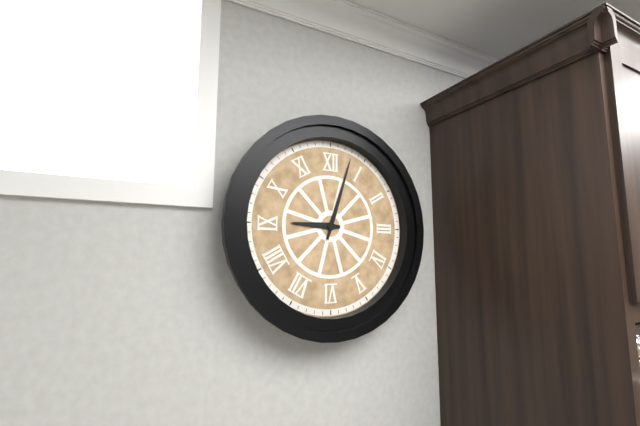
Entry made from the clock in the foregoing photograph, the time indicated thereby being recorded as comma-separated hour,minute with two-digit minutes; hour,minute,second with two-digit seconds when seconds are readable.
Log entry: 9,03
